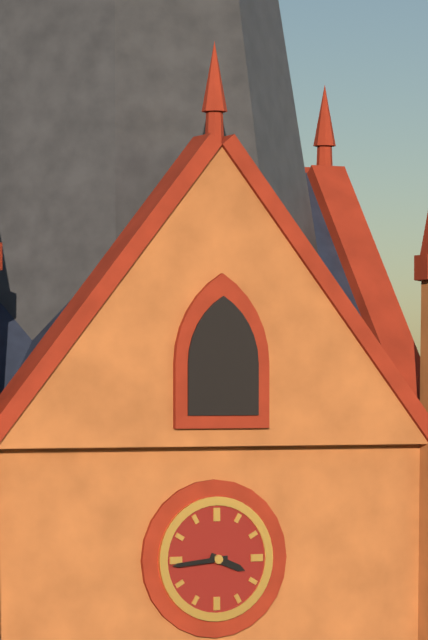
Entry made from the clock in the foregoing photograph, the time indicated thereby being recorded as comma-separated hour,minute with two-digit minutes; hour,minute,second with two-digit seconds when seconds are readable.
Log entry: 3,44
